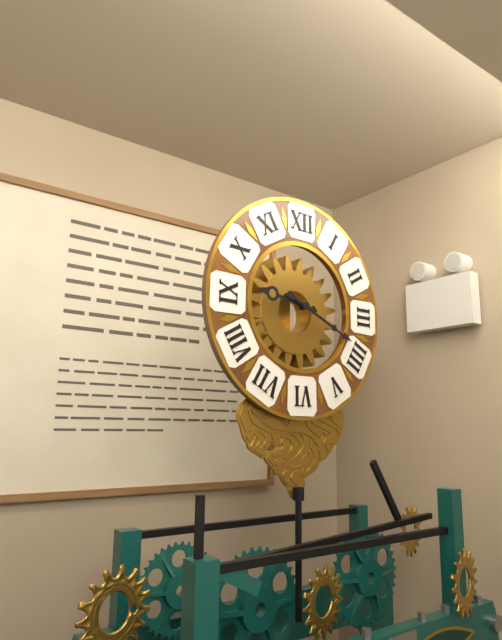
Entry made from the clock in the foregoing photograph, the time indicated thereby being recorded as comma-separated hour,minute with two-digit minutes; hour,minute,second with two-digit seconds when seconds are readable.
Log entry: 9,19
